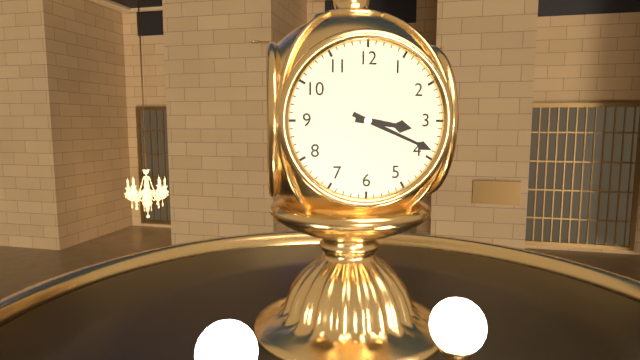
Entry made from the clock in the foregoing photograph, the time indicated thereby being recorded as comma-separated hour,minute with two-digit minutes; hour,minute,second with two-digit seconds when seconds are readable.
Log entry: 3,19
